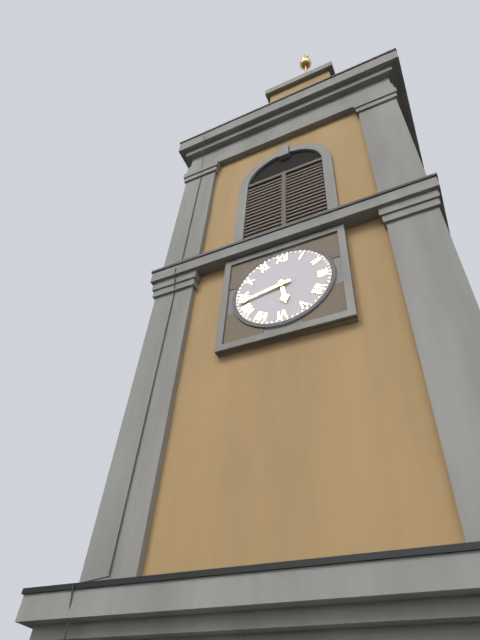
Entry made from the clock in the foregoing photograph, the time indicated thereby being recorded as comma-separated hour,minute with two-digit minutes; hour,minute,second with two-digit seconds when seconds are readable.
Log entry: 5,43
